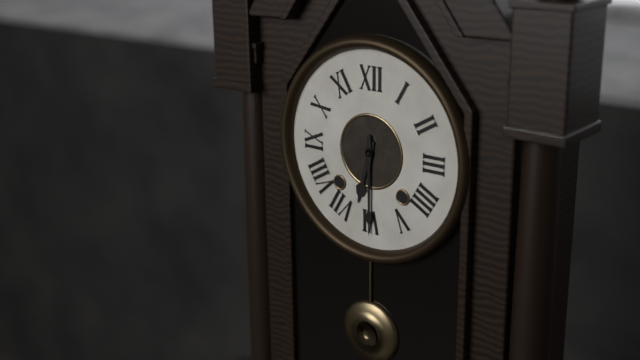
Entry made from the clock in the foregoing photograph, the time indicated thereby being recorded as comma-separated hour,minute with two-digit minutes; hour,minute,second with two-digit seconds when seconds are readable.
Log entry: 6,30
